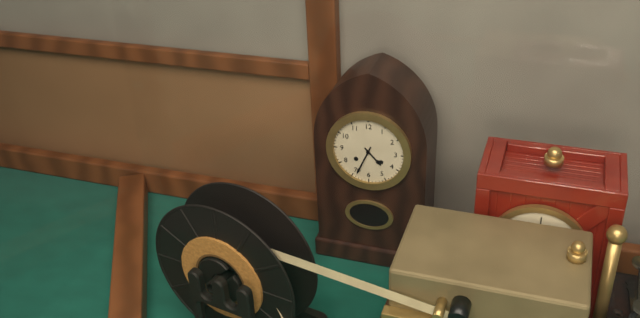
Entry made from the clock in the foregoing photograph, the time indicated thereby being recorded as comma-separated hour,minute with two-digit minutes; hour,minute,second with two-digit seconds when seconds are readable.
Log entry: 4,34
